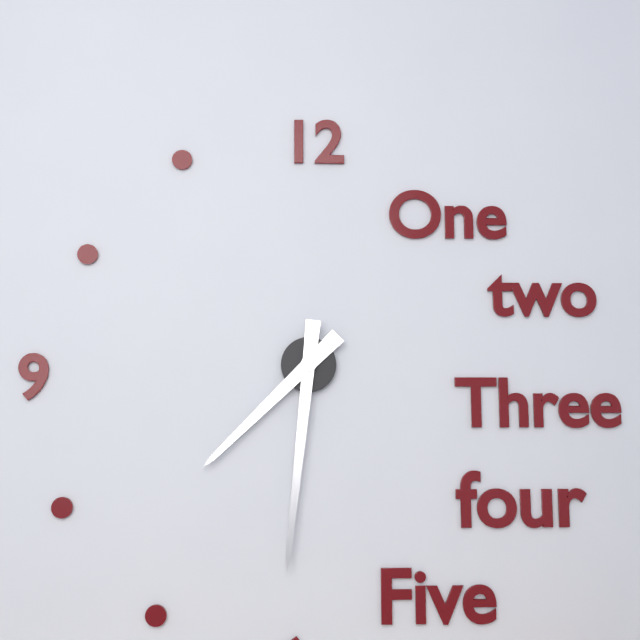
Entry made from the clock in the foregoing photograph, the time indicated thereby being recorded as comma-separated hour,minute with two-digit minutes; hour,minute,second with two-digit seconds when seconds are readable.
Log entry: 7,31
